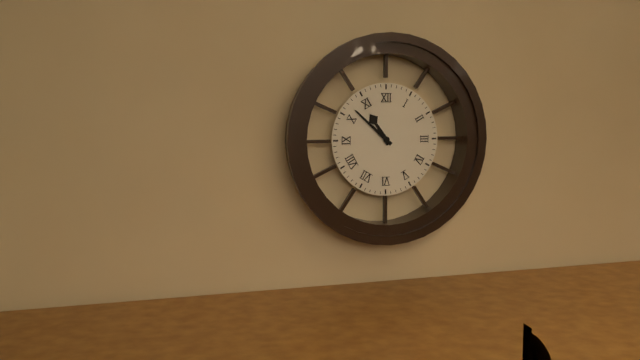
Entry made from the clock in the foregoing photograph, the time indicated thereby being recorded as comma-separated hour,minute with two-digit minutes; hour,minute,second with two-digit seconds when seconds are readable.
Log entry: 10,52
